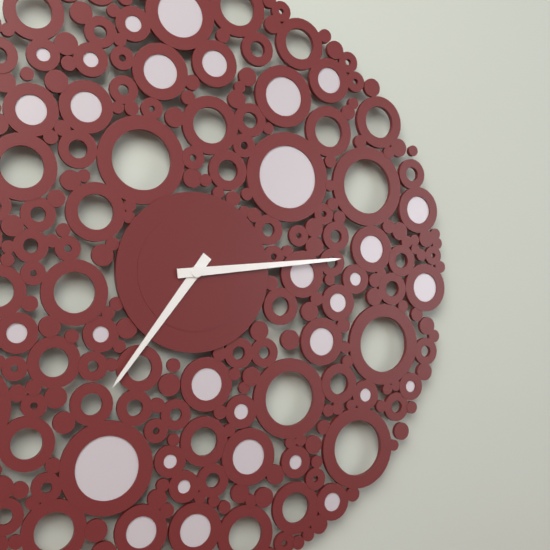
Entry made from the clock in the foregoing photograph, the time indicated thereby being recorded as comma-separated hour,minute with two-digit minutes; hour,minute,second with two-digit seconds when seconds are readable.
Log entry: 7,14
